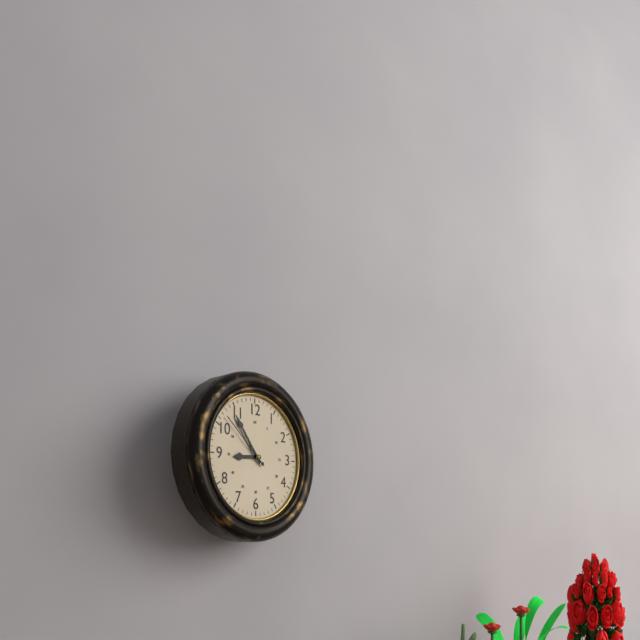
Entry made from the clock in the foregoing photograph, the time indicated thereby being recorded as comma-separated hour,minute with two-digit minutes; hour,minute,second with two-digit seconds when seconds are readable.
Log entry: 8,54,52
